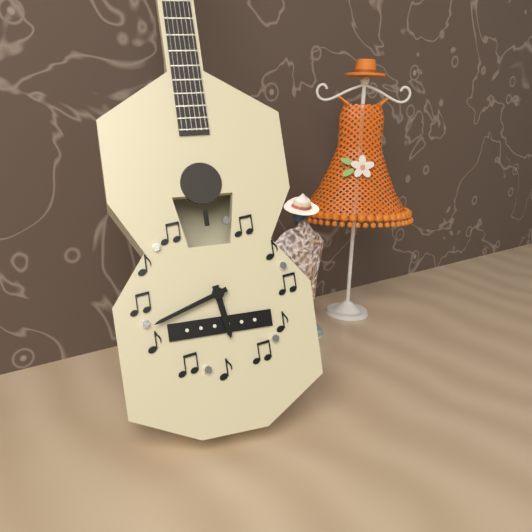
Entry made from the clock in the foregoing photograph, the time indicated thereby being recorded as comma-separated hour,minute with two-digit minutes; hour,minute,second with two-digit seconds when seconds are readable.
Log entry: 5,42
